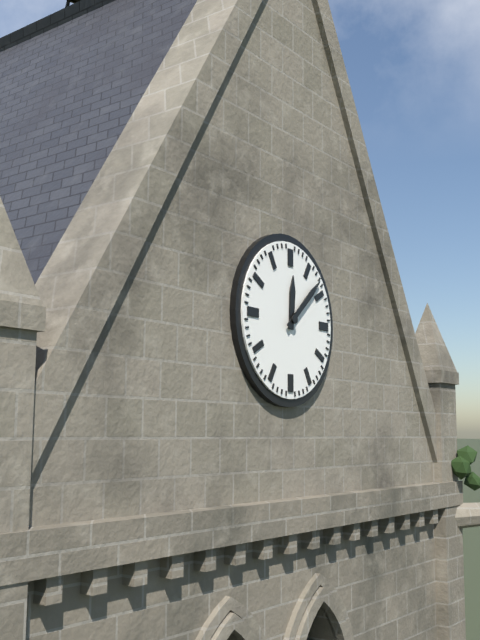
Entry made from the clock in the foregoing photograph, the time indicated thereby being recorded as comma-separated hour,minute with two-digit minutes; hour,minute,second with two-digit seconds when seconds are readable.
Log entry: 12,08
